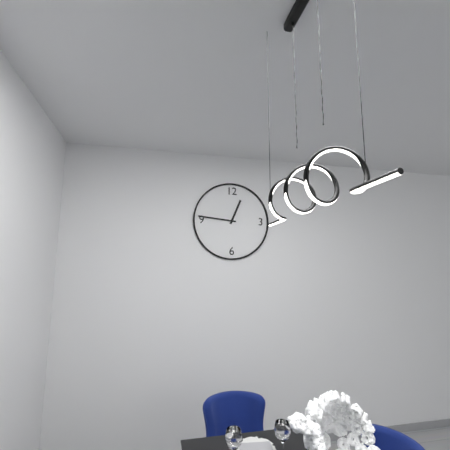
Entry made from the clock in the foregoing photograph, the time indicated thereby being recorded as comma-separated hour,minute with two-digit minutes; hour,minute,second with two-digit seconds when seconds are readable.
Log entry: 12,46
